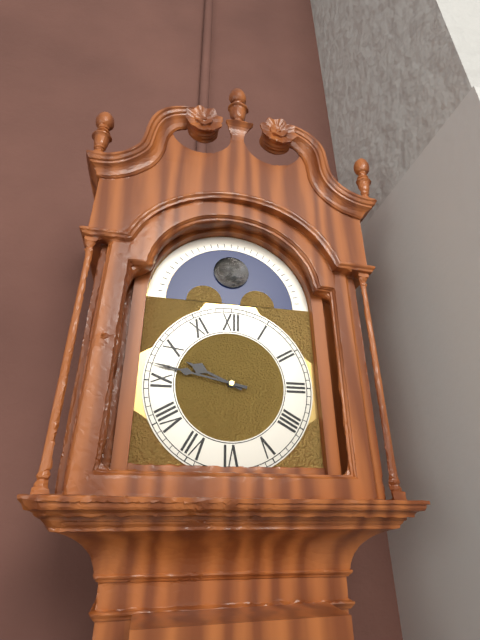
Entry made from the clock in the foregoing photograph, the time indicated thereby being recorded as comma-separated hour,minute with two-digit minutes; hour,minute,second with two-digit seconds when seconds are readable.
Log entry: 9,47
